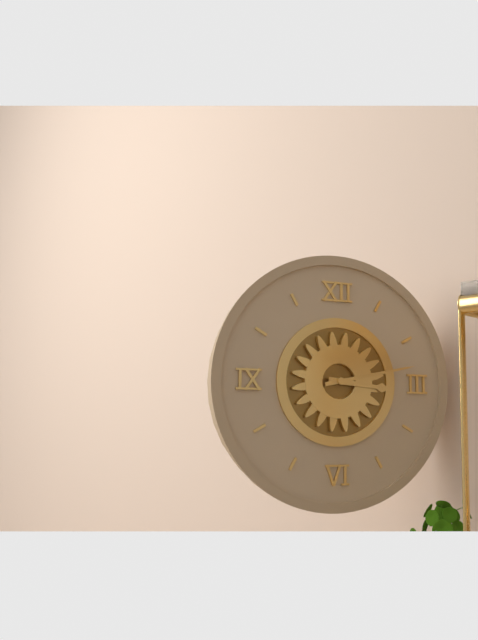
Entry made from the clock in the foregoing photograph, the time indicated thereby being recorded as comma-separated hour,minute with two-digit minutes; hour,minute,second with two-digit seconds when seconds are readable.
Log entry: 3,13
